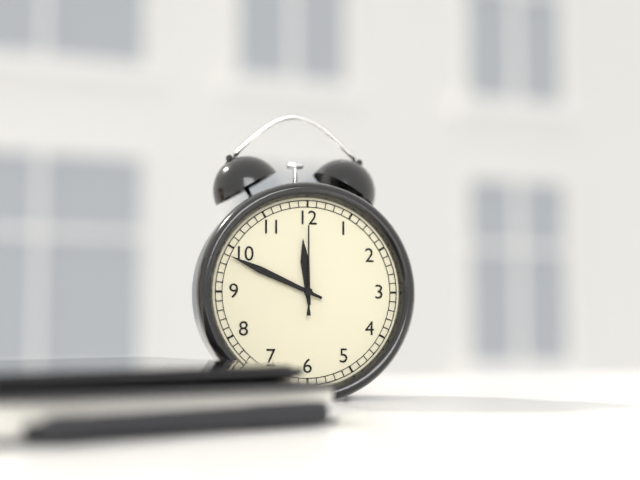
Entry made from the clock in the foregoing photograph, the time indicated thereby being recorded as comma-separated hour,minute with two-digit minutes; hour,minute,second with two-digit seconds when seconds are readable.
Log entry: 11,49,00
